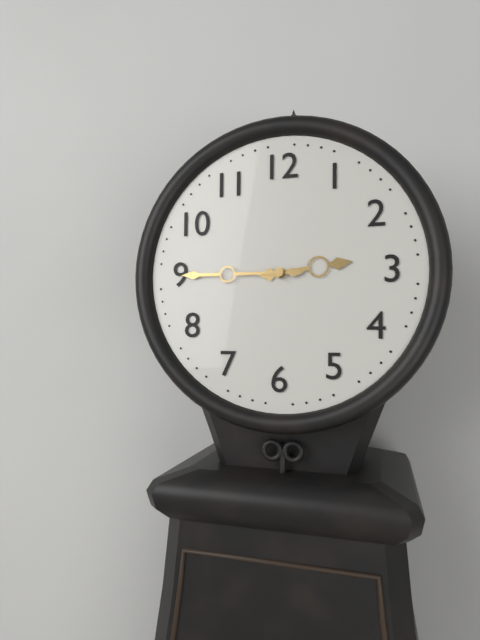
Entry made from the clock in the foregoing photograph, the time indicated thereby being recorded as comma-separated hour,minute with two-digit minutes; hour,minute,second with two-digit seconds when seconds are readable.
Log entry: 2,45
